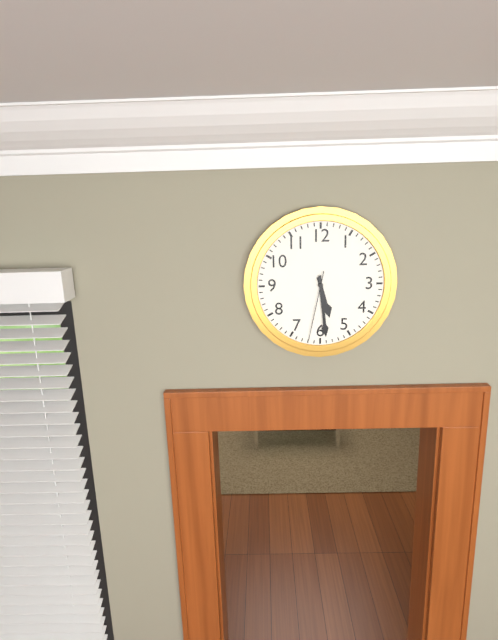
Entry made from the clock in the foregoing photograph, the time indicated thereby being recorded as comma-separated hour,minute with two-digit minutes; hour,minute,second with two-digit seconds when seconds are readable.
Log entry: 5,29,32
